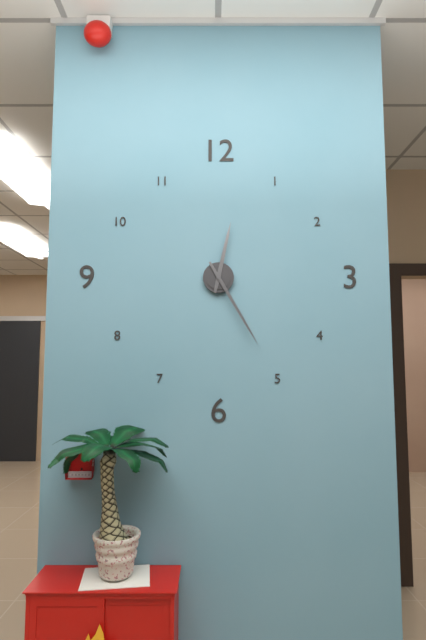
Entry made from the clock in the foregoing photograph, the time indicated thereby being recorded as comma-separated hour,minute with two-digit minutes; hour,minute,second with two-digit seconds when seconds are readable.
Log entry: 12,25
